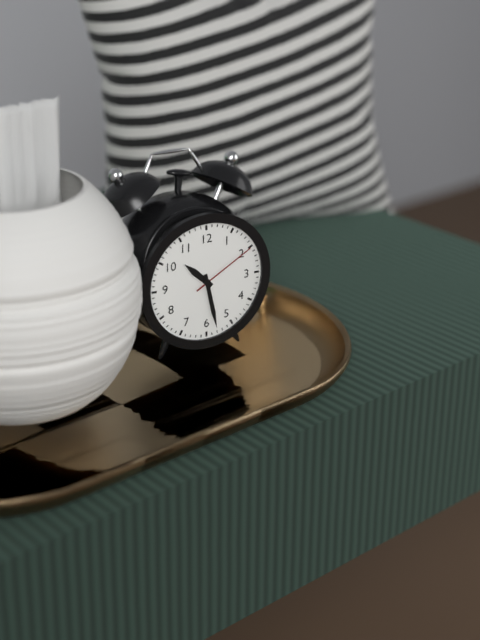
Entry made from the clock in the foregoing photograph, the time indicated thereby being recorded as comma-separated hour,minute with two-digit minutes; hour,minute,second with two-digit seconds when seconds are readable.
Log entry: 10,28,10
